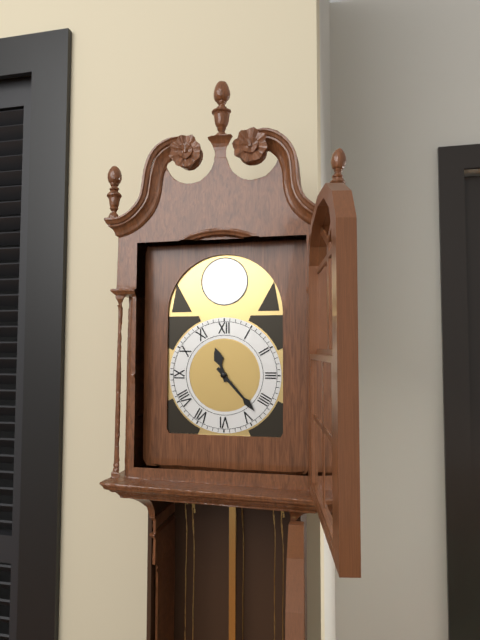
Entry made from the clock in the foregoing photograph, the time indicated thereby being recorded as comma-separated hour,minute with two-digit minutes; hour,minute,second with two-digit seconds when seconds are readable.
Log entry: 11,23
